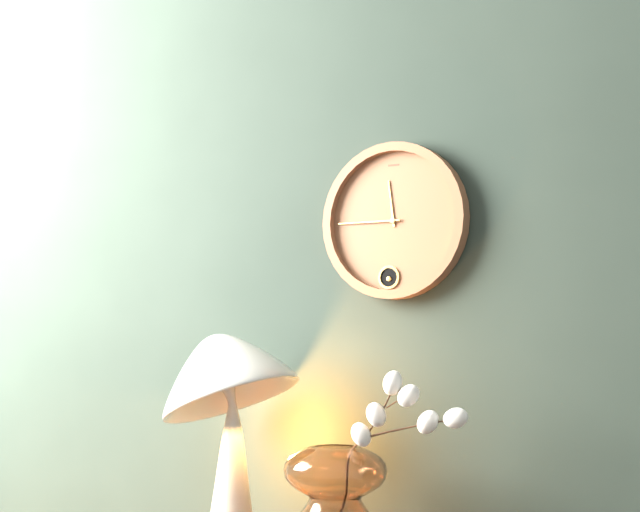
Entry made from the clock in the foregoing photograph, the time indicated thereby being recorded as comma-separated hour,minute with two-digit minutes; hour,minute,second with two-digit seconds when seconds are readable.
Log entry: 11,45
